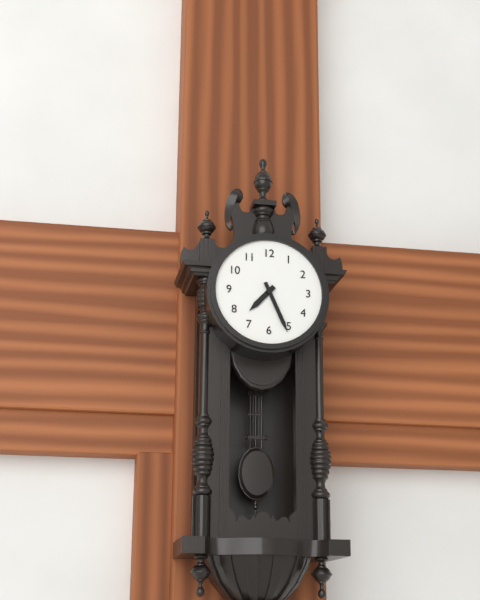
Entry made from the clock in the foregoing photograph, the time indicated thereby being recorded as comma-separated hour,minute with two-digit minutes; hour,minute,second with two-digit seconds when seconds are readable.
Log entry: 7,26
